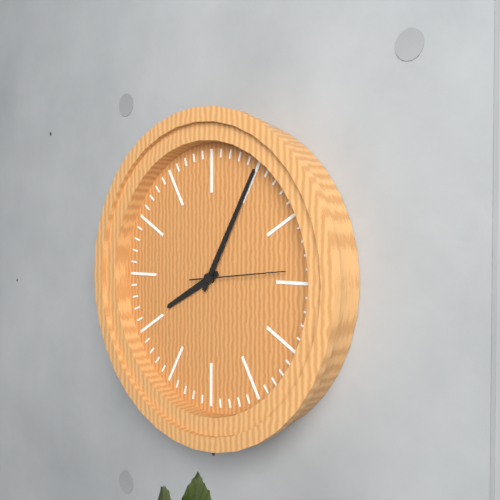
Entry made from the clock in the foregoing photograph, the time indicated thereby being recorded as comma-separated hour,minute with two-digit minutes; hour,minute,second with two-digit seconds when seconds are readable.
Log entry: 8,05,14
